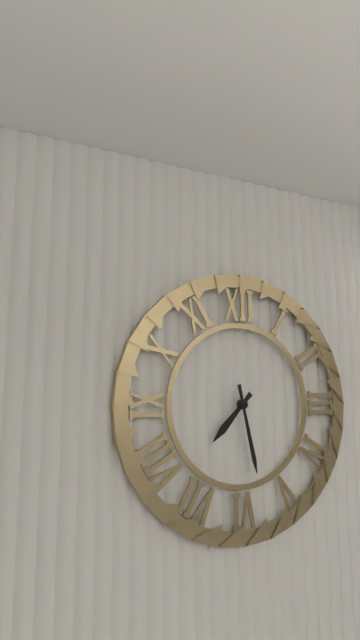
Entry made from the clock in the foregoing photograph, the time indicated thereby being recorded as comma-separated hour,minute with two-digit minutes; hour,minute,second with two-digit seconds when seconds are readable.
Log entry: 7,28
